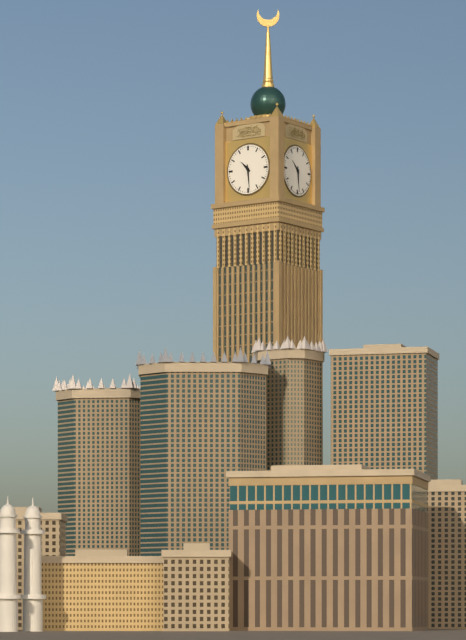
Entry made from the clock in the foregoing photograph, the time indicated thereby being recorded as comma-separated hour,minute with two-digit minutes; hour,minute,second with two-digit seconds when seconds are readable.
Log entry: 10,29
